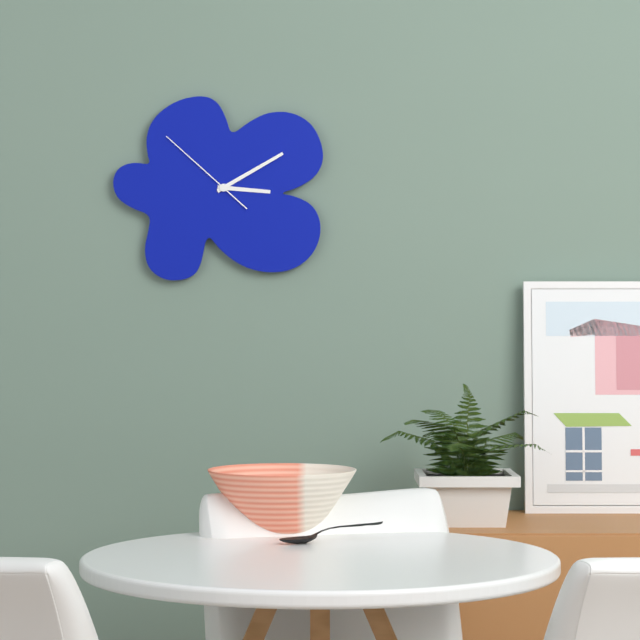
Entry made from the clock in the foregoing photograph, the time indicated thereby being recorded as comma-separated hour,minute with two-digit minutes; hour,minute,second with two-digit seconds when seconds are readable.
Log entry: 3,10,52
